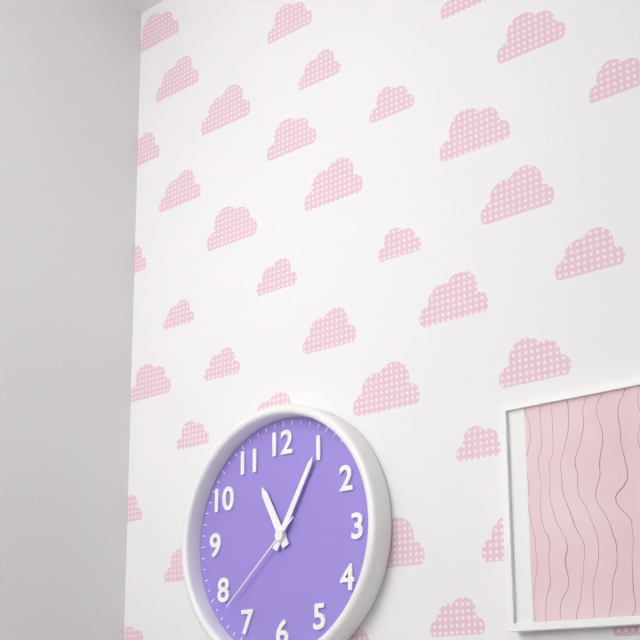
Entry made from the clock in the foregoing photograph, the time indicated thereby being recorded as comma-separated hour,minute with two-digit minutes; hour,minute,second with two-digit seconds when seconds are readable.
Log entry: 11,05,38
